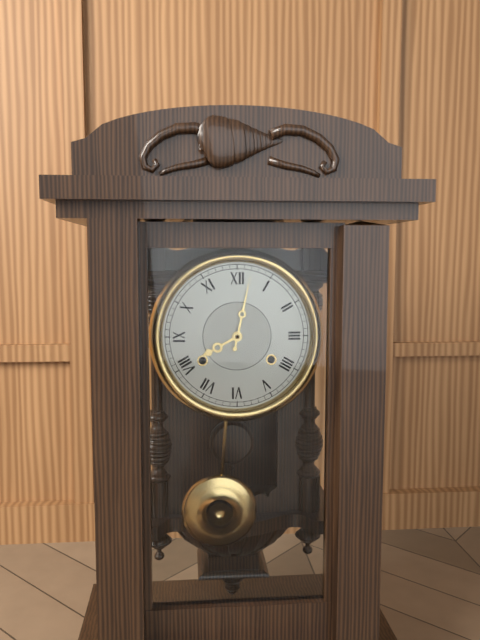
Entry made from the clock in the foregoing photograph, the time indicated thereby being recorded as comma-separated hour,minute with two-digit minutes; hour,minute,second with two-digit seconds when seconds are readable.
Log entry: 8,02
